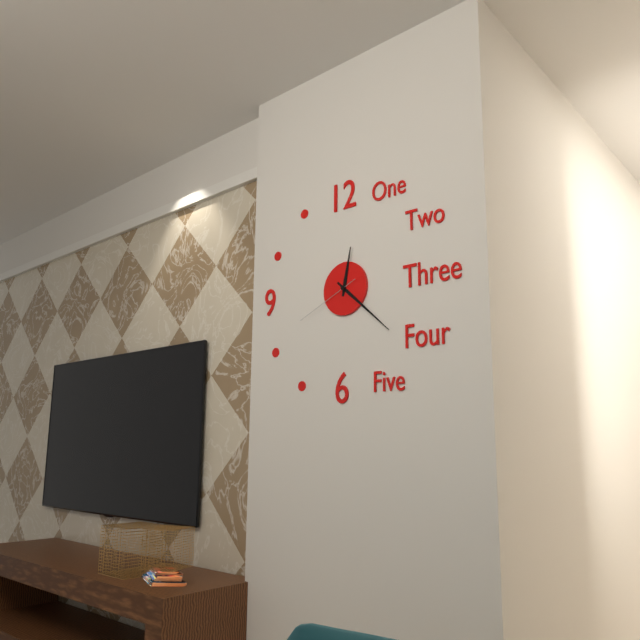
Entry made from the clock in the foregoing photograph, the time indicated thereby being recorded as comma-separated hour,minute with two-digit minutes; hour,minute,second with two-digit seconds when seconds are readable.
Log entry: 12,22,41
